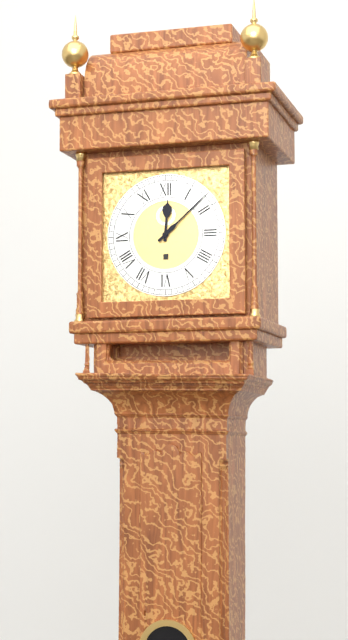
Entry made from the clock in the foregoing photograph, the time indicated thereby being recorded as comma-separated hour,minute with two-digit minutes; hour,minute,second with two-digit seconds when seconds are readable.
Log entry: 12,08
